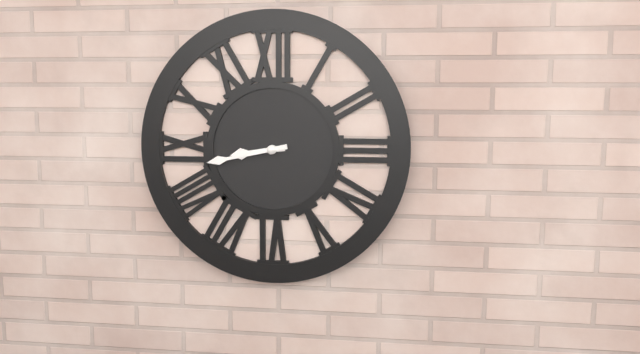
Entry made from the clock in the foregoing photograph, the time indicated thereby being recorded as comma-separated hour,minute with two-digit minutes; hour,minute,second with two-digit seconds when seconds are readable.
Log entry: 8,43
